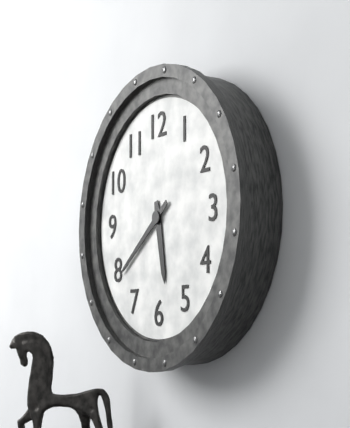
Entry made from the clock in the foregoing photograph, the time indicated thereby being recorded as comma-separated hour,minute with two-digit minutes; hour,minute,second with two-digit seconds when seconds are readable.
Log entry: 5,39
